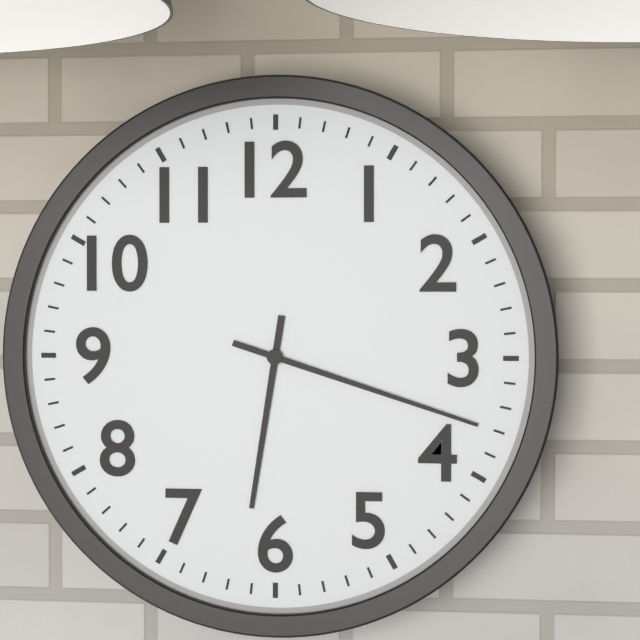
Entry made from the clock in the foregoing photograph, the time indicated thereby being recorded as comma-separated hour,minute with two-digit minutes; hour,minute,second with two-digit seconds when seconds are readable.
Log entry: 6,18
